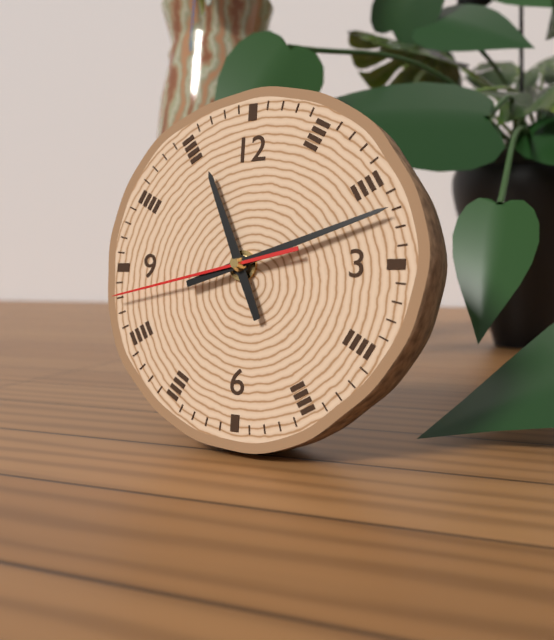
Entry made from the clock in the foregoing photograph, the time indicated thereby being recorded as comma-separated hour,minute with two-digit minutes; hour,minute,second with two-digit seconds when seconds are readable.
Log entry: 11,12,43
